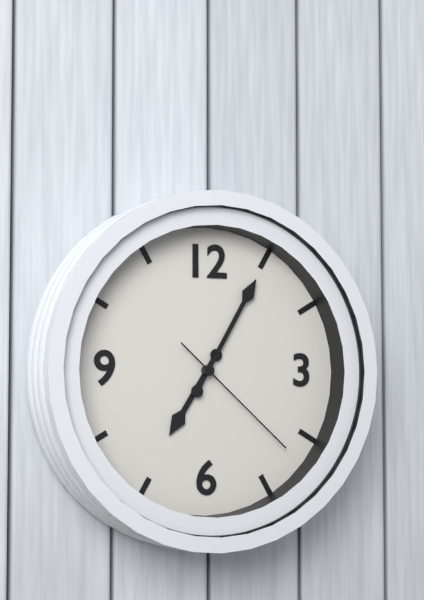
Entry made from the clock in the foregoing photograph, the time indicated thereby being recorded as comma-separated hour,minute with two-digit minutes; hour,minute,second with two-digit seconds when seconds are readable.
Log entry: 7,05,22
